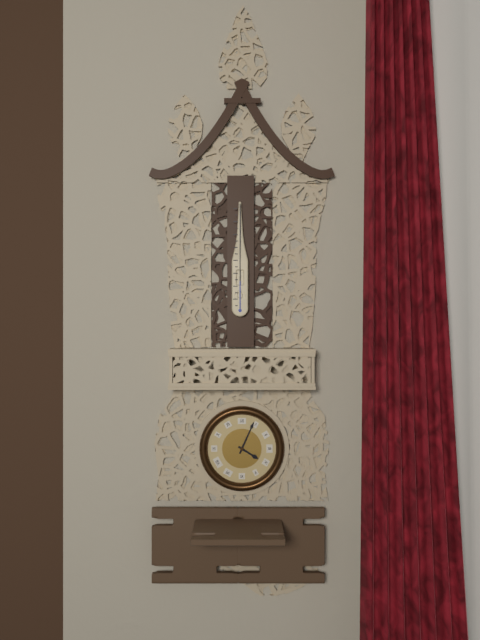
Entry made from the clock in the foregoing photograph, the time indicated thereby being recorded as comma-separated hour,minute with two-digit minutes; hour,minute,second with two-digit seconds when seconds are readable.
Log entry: 4,04
